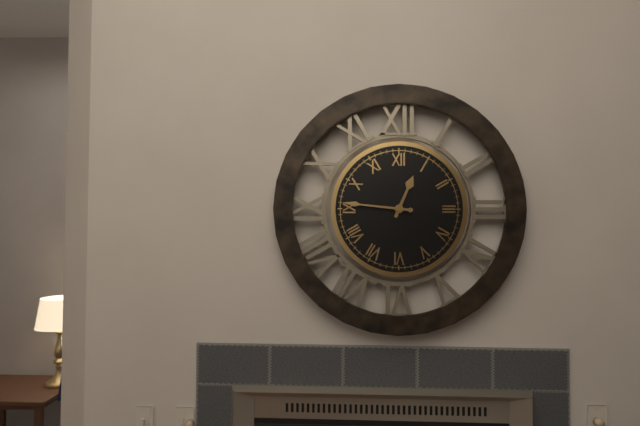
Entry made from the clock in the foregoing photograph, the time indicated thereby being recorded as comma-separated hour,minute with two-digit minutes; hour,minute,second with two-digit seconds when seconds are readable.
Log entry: 12,46
